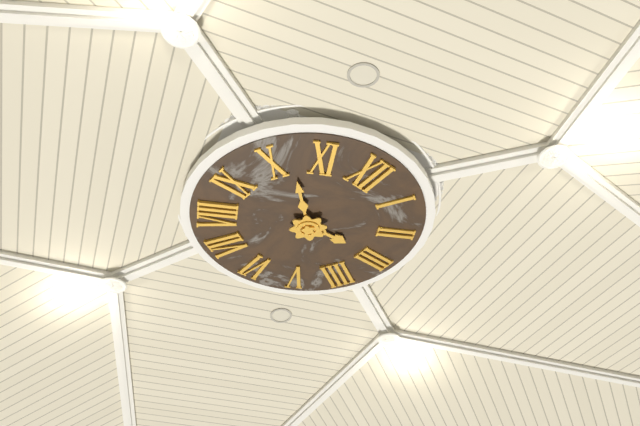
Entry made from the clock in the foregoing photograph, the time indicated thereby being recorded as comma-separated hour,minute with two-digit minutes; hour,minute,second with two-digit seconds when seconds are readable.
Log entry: 2,52
